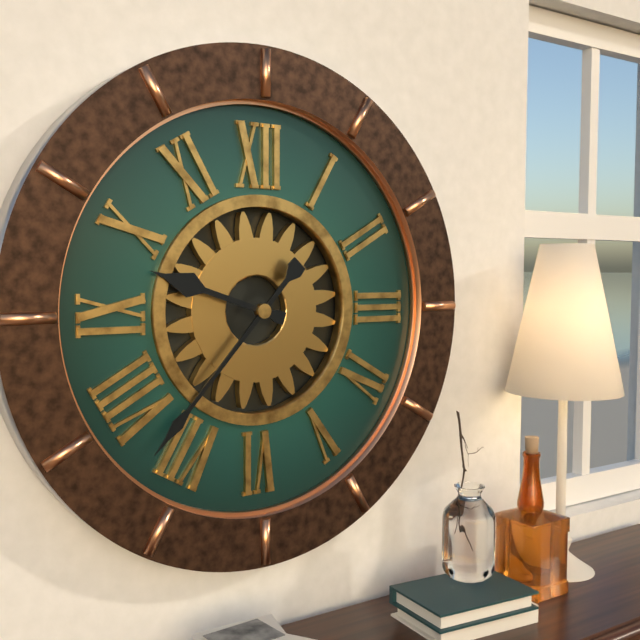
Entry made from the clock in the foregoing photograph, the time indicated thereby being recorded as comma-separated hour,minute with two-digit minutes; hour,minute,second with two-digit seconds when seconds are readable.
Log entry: 9,37
